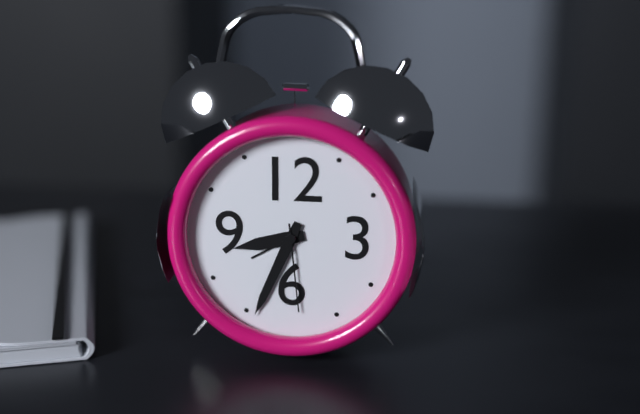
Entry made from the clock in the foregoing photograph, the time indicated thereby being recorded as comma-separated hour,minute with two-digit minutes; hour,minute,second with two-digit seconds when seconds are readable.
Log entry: 8,34,29
